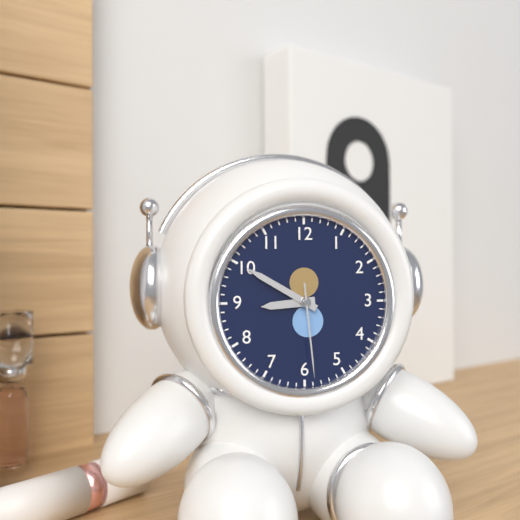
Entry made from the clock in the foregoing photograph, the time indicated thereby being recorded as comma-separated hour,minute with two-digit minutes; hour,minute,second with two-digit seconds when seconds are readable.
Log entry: 8,50,29
